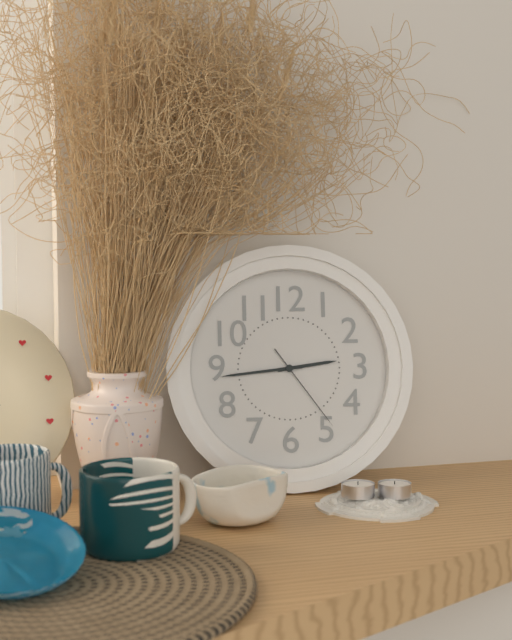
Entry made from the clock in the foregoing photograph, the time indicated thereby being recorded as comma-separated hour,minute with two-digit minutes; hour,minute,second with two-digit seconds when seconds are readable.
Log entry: 2,44,24
